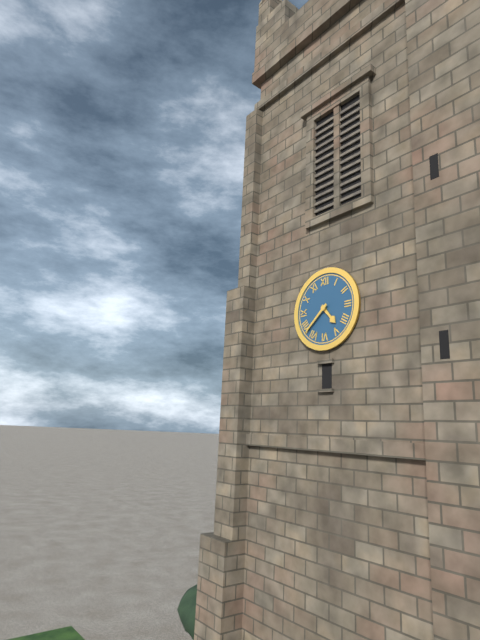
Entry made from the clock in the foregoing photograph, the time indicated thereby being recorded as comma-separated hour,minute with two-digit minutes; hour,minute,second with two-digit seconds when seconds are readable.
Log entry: 4,38
